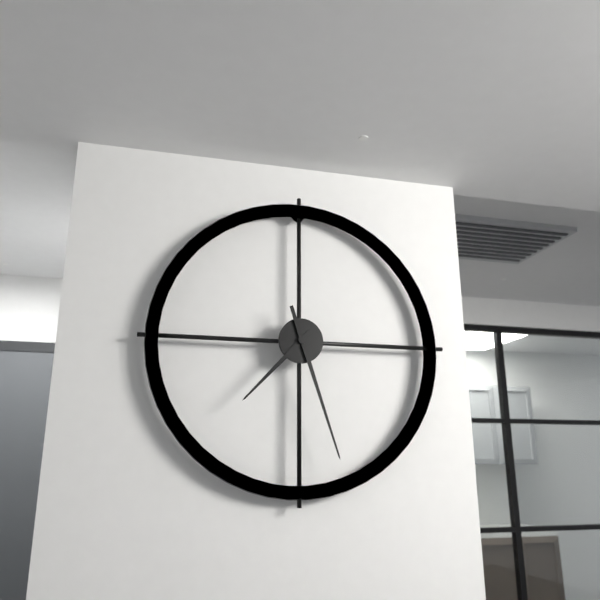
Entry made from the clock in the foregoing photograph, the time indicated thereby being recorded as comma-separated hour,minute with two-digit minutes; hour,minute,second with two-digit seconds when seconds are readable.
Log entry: 7,27
